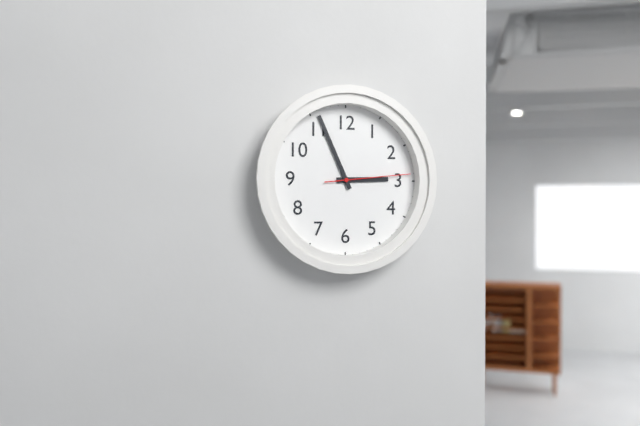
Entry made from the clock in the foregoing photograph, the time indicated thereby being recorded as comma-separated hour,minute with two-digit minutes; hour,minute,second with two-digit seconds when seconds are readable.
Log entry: 2,56,14
